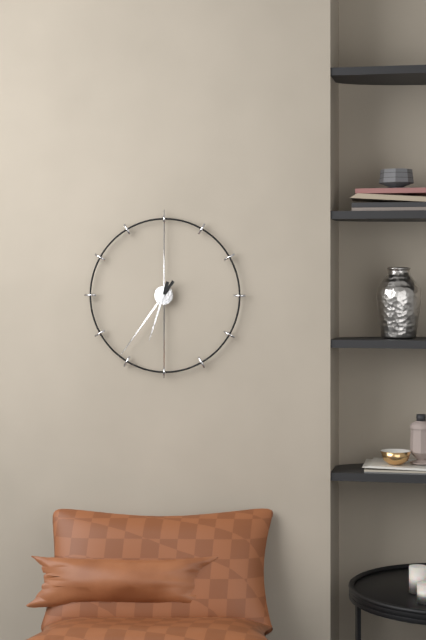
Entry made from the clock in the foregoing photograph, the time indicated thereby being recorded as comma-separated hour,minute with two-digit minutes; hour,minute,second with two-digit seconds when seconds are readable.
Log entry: 6,36
